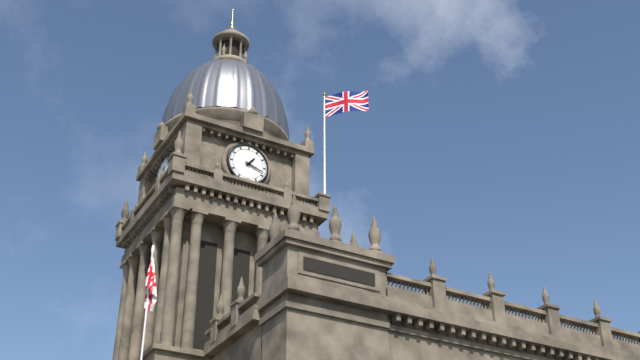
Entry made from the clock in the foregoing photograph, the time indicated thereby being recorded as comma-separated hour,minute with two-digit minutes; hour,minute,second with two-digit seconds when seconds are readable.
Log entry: 1,18
